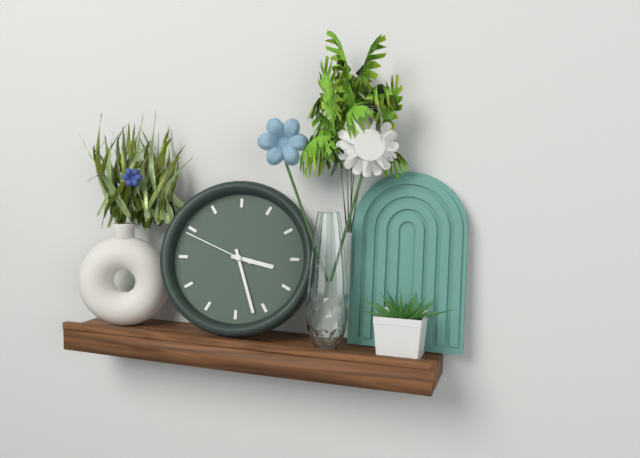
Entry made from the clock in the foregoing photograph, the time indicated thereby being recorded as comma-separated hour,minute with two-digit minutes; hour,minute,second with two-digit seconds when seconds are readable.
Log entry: 3,27,49
